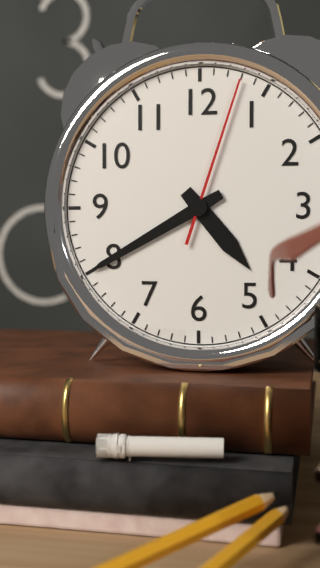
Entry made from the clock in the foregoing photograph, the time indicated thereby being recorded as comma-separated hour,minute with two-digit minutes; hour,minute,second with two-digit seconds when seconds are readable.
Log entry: 4,40,03
